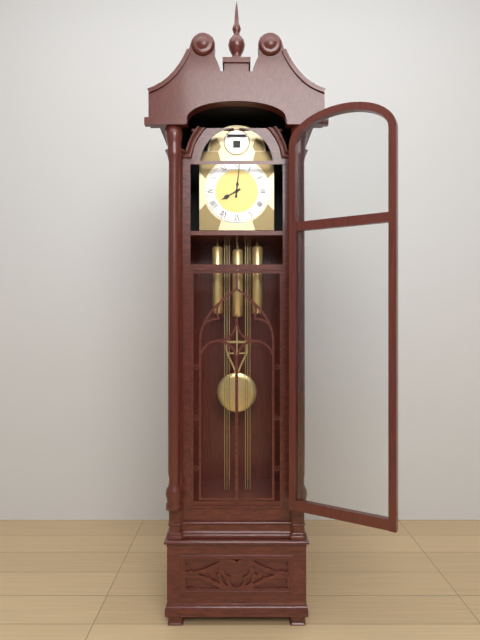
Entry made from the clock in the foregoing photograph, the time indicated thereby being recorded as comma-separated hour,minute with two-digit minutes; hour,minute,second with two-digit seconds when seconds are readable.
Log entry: 8,01
